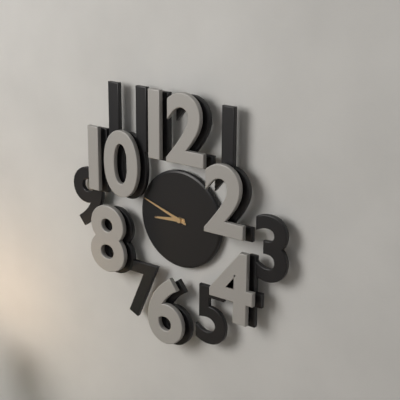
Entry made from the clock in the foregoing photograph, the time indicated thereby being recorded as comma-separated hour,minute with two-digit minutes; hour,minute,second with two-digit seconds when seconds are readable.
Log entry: 8,48
